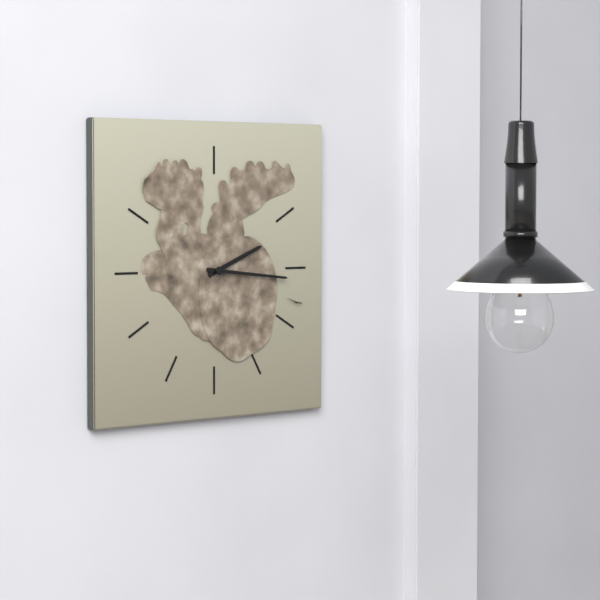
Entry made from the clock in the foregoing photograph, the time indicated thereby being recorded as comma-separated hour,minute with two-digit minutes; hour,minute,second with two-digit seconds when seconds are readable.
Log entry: 2,16
